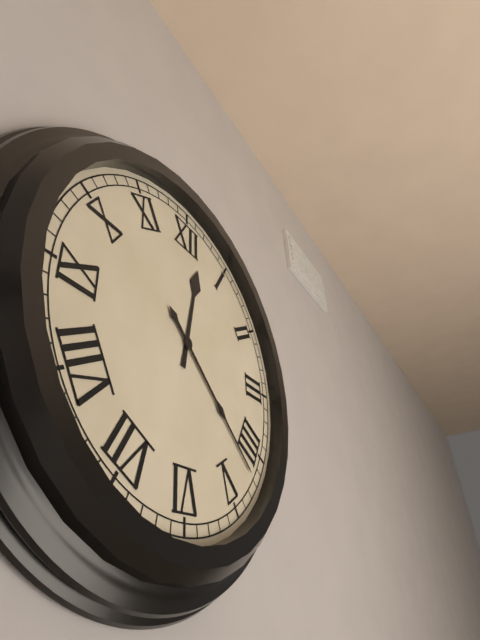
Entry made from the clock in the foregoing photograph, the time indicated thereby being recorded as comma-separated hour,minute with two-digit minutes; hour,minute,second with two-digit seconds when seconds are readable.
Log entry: 12,22
